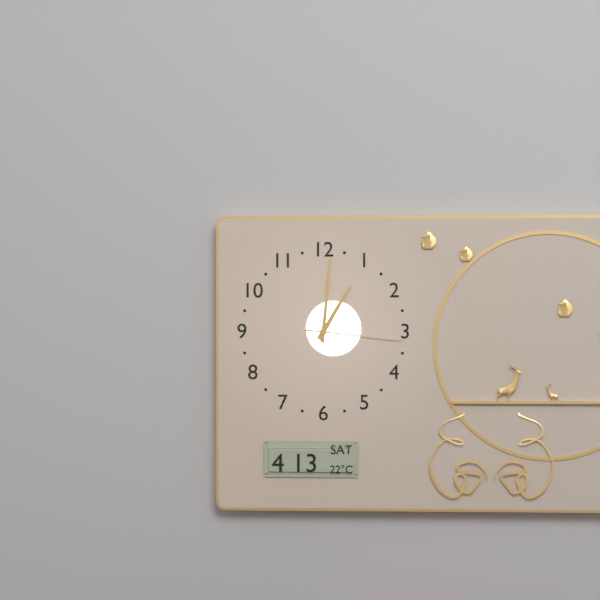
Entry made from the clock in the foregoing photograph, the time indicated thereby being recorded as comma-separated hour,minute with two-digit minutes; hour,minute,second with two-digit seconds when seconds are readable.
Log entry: 1,01,16
